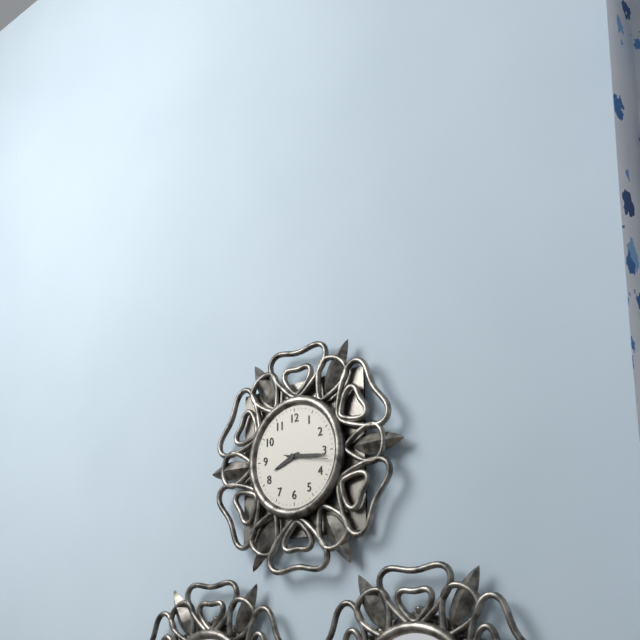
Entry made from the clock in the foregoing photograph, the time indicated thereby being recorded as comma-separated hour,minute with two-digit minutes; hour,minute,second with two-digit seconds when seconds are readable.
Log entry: 8,16
